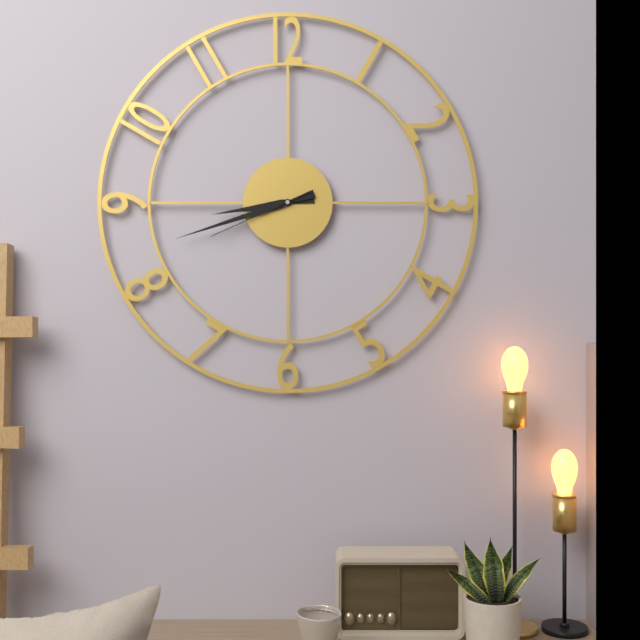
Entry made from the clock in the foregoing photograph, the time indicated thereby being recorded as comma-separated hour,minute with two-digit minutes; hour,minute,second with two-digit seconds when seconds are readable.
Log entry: 8,42,41
